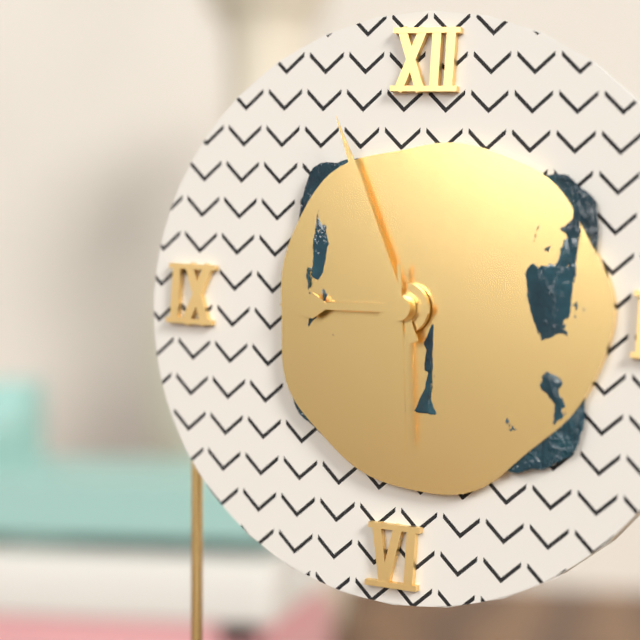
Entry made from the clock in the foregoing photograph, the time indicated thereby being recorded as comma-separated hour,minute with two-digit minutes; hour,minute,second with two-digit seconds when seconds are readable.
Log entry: 8,56,29
